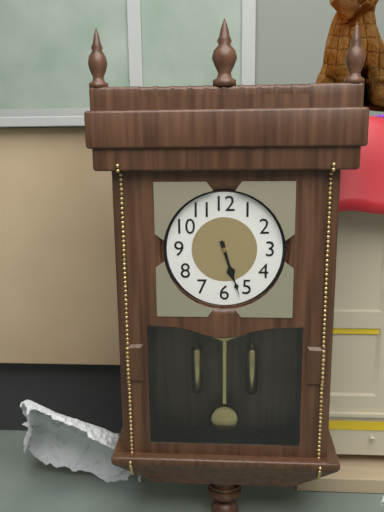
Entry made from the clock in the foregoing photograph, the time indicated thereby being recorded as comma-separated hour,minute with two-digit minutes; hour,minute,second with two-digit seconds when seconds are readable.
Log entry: 5,27
